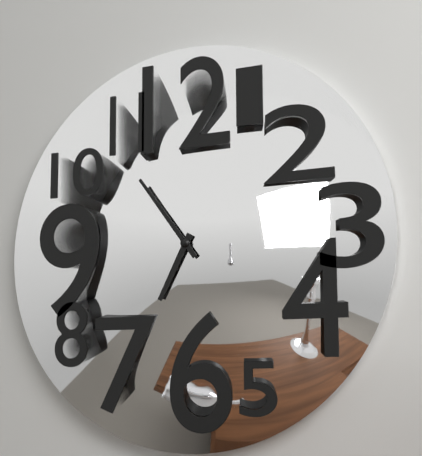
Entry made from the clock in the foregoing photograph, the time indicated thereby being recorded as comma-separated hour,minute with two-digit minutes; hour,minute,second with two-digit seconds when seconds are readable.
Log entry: 6,54
